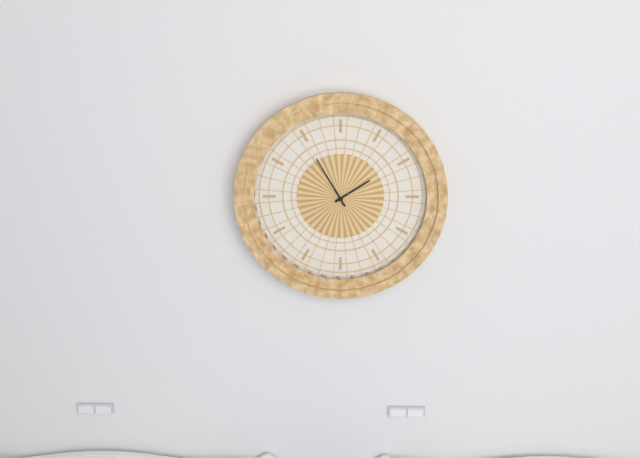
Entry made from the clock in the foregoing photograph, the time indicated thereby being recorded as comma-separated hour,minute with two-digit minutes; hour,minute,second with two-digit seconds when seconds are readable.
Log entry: 1,55
